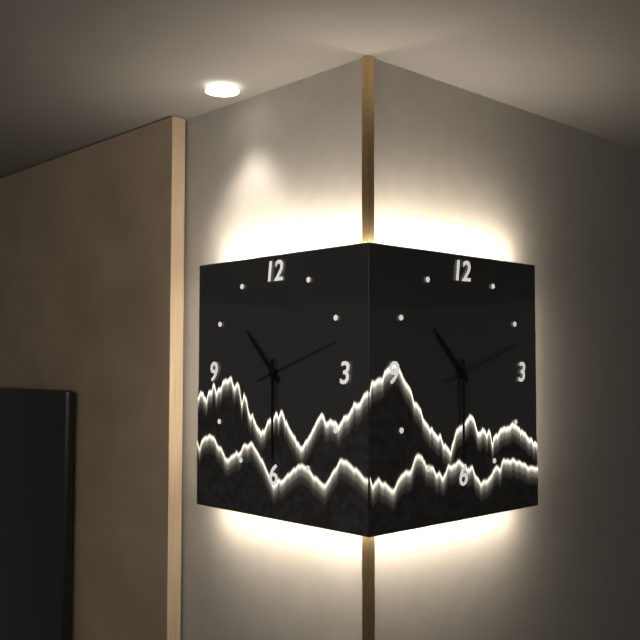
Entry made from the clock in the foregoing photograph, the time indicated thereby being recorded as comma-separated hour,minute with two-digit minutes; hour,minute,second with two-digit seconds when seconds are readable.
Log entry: 10,30,12
